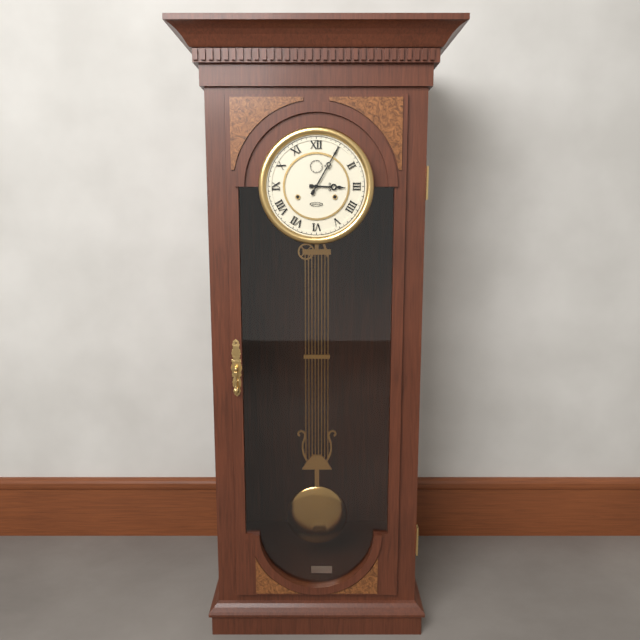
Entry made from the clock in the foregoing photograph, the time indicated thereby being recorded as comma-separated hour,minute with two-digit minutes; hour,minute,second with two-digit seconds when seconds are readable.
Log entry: 3,05
